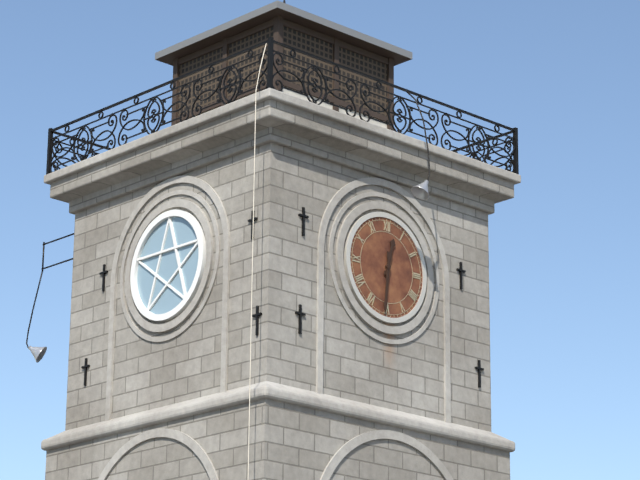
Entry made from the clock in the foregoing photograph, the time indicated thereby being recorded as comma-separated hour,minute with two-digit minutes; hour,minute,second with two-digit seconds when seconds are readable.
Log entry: 12,31
